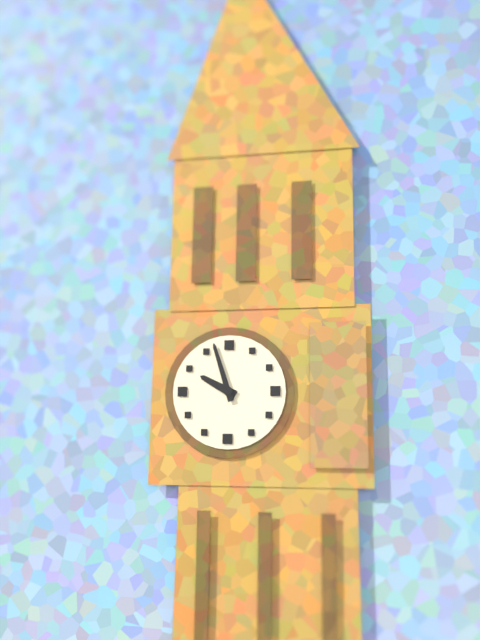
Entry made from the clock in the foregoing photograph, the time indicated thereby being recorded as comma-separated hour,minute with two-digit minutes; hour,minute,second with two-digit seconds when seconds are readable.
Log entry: 9,57
